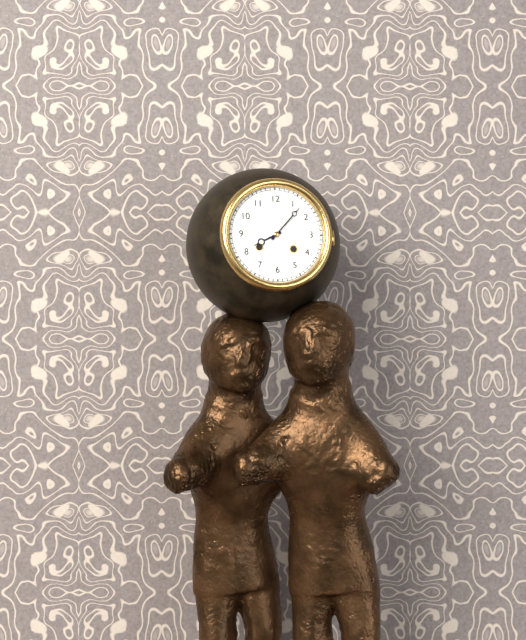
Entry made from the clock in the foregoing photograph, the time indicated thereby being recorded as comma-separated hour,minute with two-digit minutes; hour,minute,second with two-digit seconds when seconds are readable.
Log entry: 8,07
